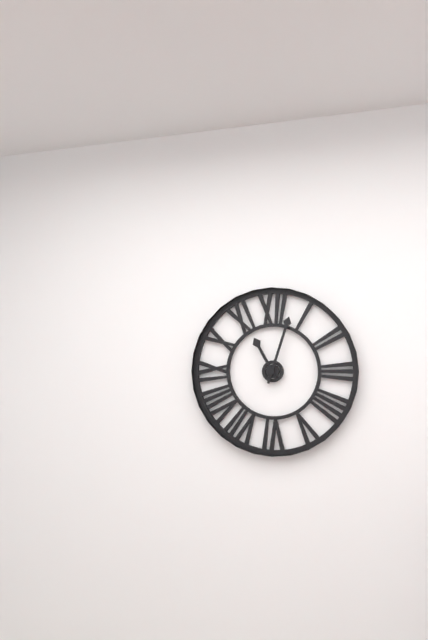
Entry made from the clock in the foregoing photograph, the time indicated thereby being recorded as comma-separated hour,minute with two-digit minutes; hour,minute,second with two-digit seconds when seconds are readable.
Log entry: 11,03
